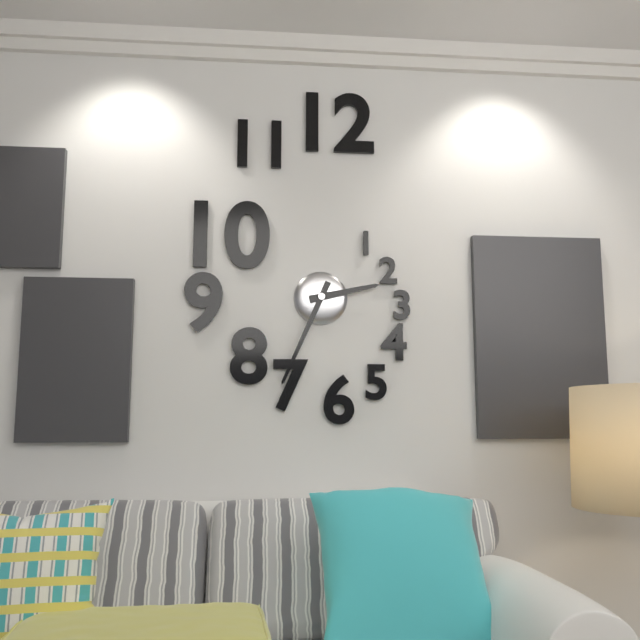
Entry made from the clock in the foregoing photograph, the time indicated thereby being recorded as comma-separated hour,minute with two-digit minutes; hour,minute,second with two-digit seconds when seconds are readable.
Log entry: 2,34
